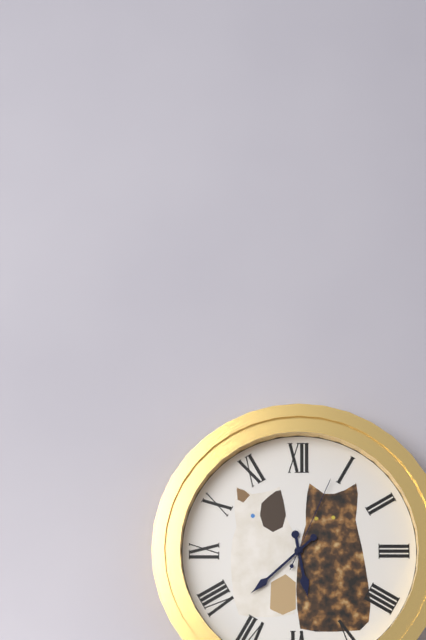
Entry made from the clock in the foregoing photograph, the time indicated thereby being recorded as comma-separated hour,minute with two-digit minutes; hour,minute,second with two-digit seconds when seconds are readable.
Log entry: 5,38,04
